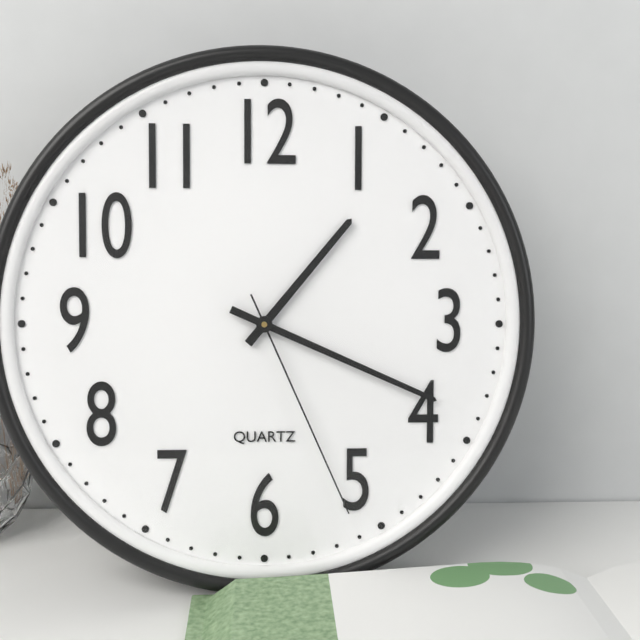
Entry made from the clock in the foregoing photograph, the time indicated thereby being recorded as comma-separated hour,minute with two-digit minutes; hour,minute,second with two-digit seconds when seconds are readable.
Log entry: 1,19,26
